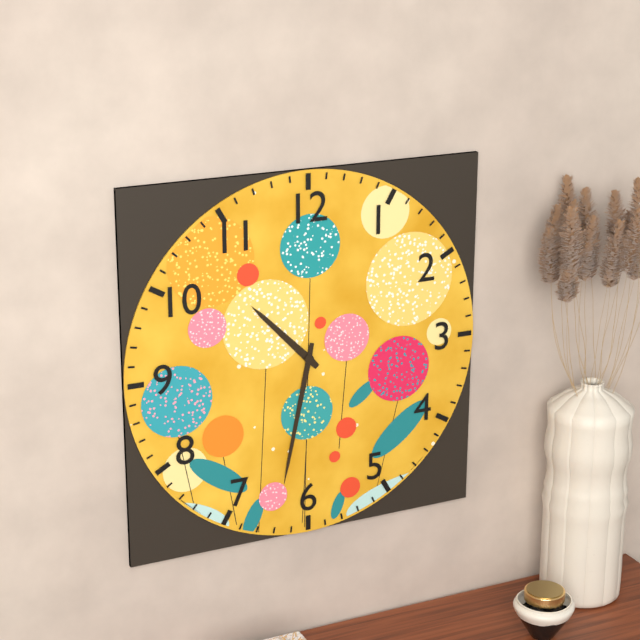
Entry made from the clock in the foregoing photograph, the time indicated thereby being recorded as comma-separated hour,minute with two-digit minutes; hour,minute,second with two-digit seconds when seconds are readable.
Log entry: 10,32
